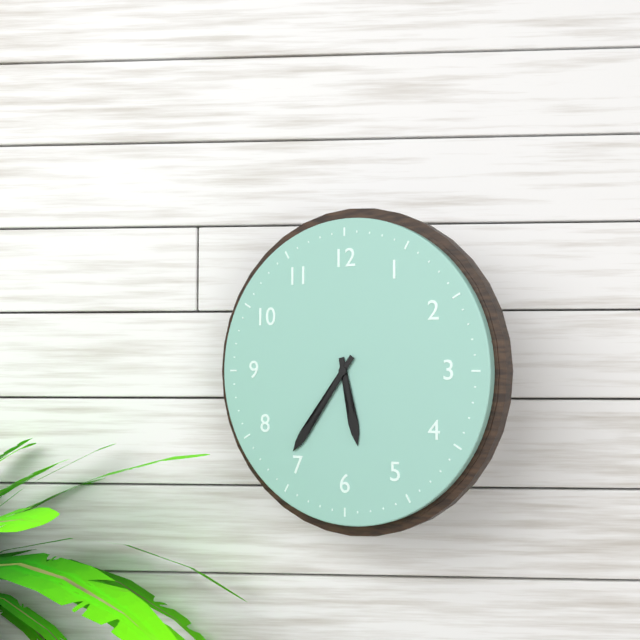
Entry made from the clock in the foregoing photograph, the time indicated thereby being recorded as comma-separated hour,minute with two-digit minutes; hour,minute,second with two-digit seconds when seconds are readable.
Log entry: 5,36
